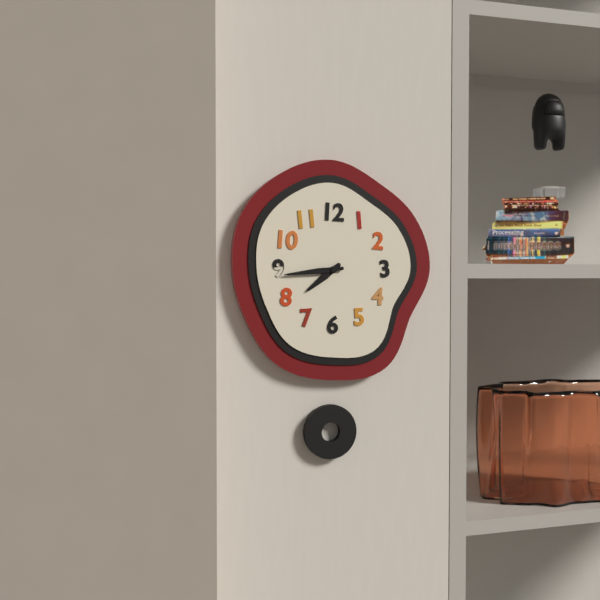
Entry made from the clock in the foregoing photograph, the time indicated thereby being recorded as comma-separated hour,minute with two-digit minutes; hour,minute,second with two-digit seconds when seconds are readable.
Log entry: 7,44
